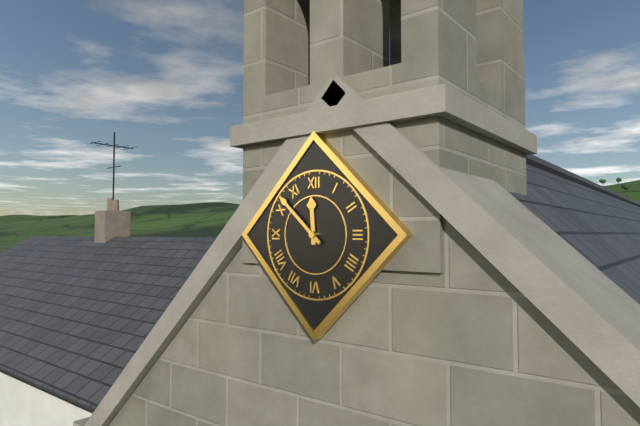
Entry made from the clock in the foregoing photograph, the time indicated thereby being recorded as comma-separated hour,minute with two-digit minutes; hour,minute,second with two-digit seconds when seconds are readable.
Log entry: 11,52
